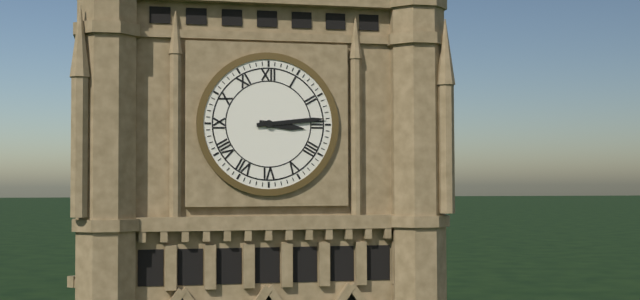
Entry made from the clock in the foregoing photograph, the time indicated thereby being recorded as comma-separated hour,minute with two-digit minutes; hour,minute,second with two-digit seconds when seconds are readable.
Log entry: 3,14
